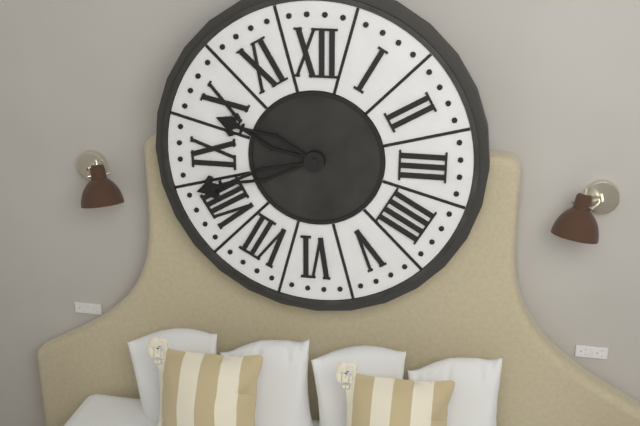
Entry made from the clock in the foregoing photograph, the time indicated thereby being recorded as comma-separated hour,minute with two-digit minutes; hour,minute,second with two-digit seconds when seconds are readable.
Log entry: 9,42
